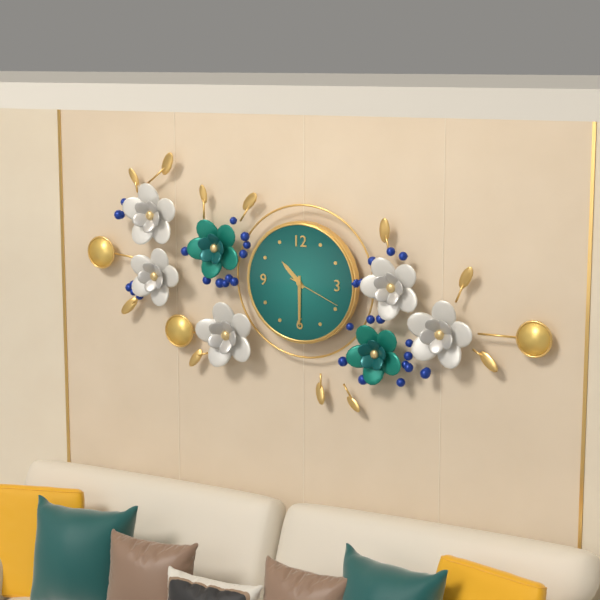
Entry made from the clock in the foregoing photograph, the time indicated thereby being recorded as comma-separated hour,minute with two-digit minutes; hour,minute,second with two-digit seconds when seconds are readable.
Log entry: 10,30,19
